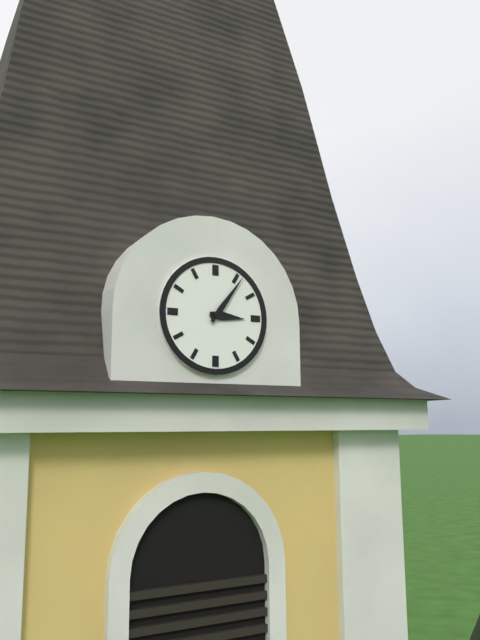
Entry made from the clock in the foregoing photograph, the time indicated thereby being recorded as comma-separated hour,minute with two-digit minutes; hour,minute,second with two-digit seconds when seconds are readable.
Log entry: 3,06
